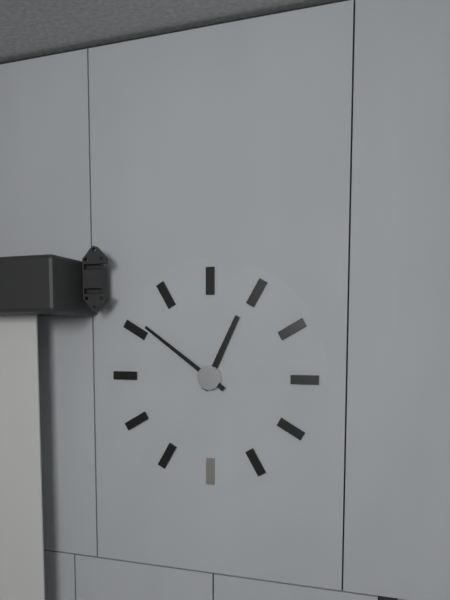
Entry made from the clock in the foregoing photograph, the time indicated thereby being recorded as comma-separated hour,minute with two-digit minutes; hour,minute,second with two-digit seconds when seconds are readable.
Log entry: 12,51
